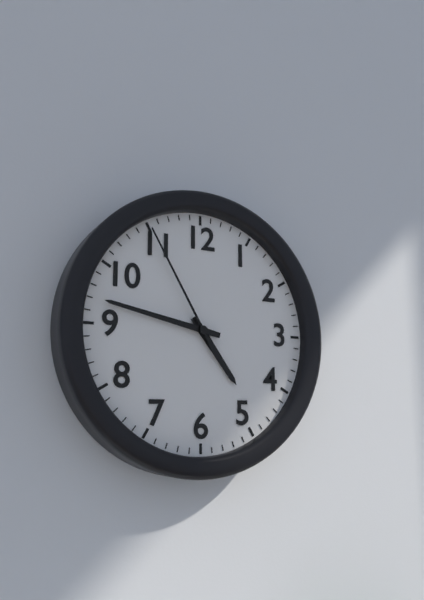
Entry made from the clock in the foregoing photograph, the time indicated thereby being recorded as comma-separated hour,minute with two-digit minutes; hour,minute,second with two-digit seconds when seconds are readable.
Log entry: 4,47,55
